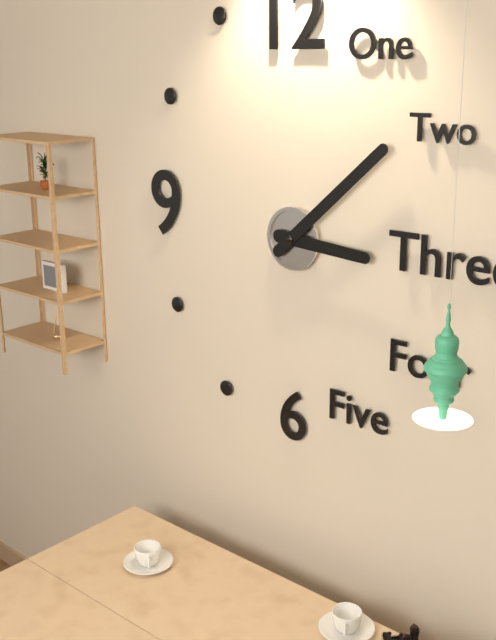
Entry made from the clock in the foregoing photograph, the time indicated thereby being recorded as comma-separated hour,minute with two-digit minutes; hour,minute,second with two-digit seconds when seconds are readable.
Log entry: 3,08
